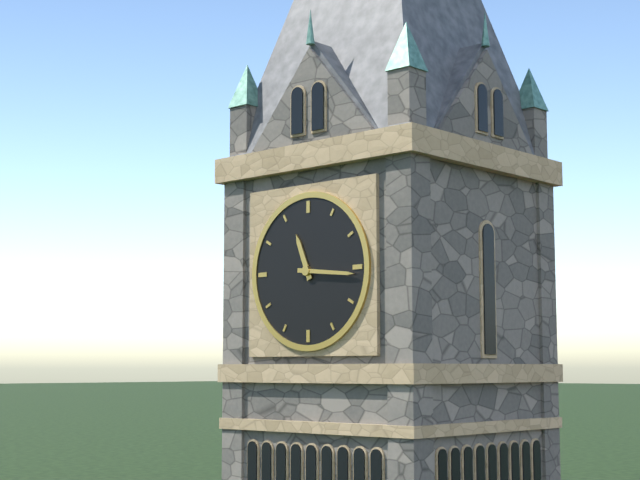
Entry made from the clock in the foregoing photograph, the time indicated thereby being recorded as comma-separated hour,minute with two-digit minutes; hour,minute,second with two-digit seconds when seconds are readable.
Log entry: 11,16
